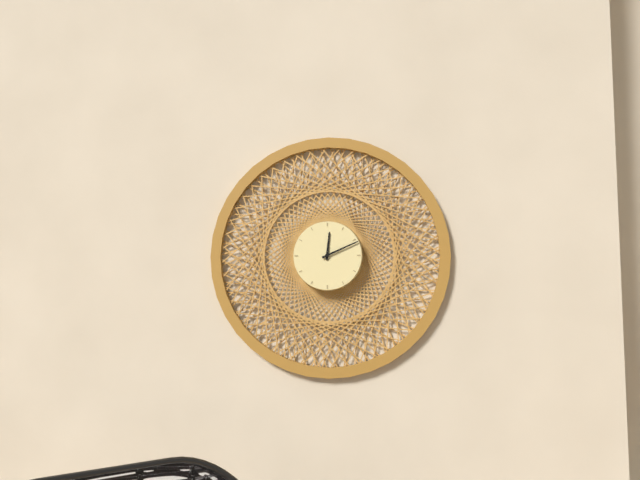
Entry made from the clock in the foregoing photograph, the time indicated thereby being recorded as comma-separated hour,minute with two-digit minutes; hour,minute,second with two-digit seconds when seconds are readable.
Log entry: 12,11
